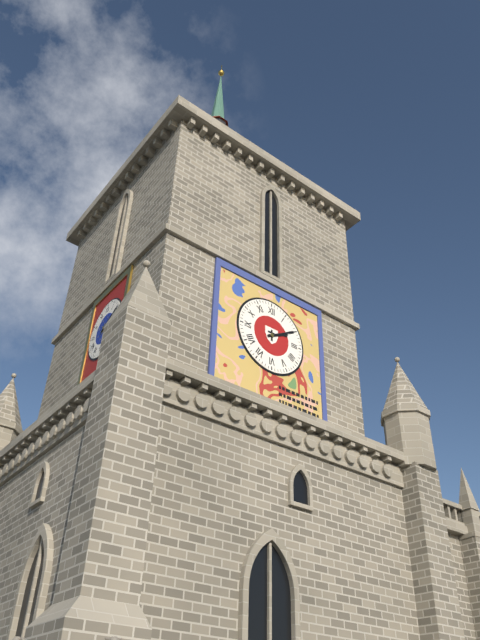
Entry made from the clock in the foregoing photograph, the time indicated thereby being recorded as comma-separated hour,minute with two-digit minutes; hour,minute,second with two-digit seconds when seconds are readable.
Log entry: 2,10
